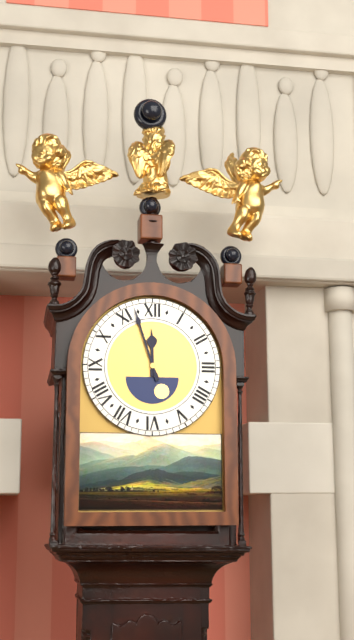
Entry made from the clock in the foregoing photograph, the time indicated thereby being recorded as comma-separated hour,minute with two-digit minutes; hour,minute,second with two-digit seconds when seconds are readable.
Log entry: 11,57
